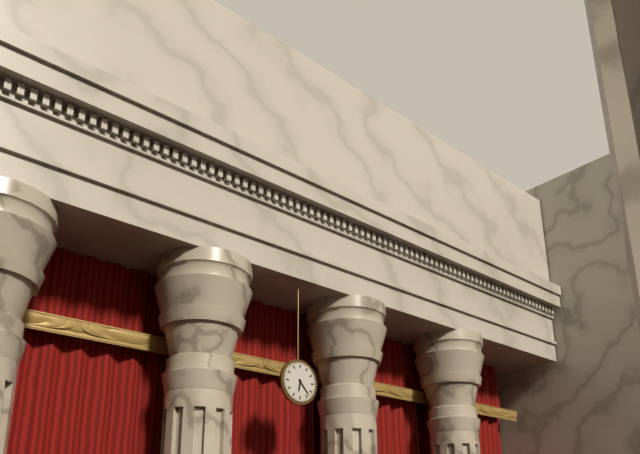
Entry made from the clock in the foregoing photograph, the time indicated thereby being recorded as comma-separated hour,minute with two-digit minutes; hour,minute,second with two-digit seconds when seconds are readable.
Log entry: 6,23
